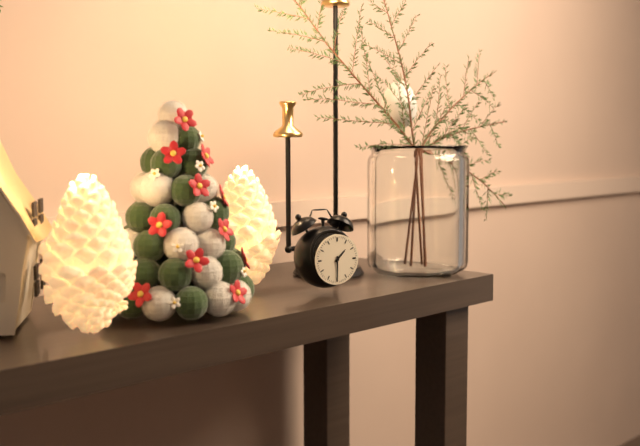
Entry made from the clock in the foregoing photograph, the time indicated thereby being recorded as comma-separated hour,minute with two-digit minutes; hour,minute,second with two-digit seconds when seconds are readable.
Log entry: 1,30
